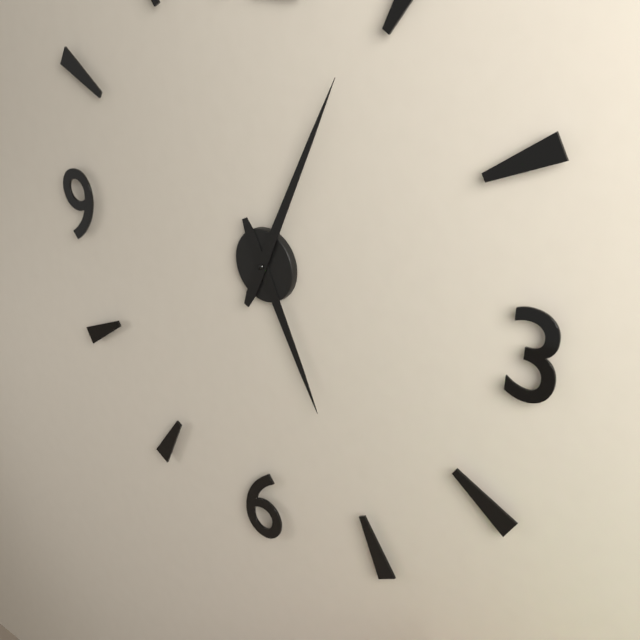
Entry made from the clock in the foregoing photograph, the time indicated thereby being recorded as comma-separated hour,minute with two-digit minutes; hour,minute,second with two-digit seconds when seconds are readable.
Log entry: 5,04
